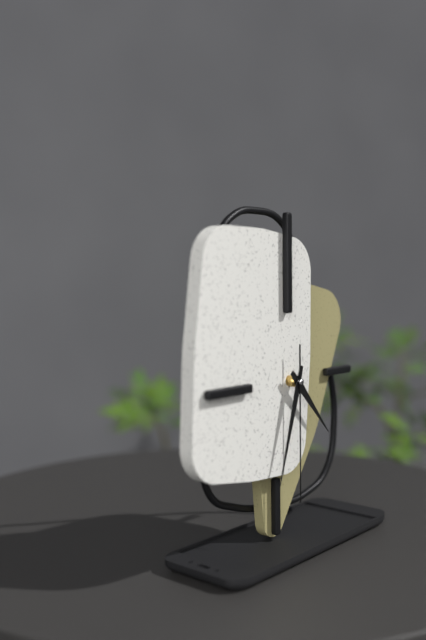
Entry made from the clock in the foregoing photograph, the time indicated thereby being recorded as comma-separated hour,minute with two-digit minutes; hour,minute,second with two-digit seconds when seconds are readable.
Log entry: 4,33,30
